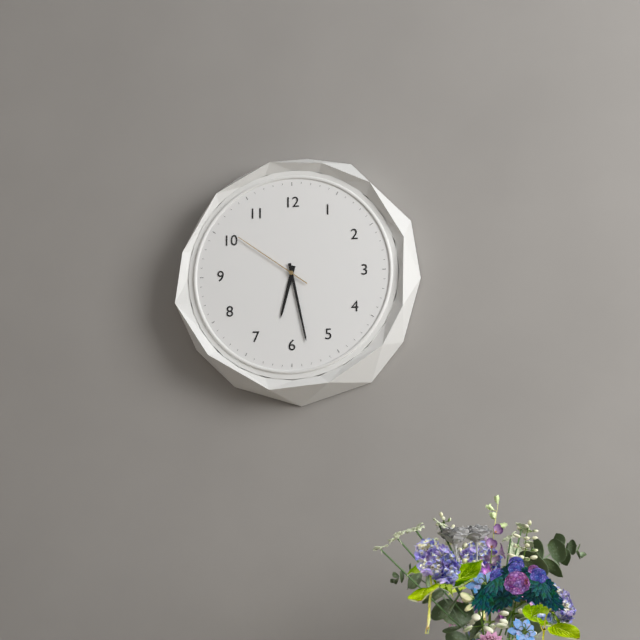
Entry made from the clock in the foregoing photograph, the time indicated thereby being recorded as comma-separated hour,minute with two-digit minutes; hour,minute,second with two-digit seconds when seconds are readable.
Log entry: 6,28,51
